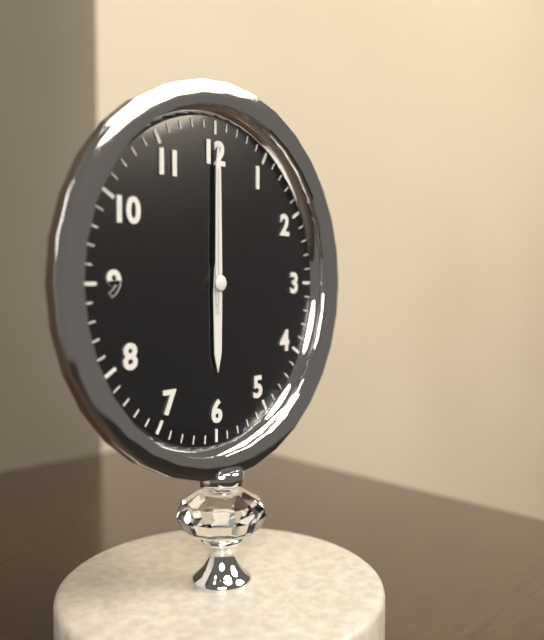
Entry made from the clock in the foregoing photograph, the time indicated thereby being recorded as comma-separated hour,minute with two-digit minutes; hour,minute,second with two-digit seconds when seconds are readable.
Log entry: 6,00,00
